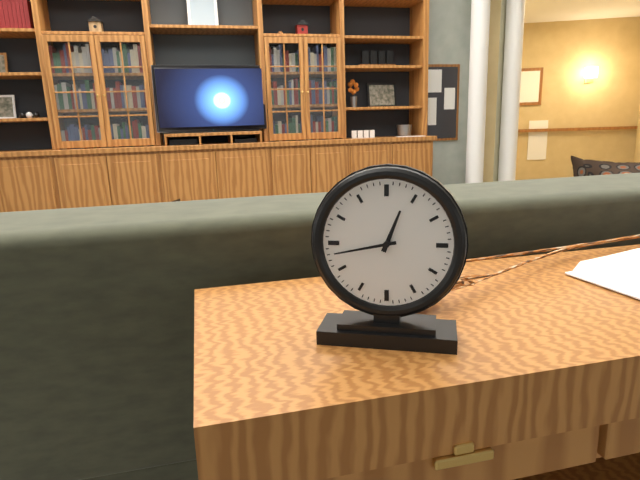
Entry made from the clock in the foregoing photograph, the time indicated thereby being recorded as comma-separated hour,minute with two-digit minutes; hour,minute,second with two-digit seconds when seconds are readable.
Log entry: 12,43
